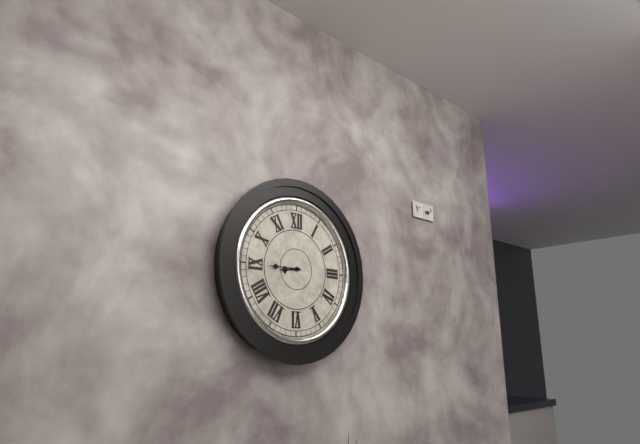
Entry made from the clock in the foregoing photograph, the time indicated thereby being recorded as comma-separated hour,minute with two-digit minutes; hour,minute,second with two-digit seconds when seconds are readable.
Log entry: 8,45
